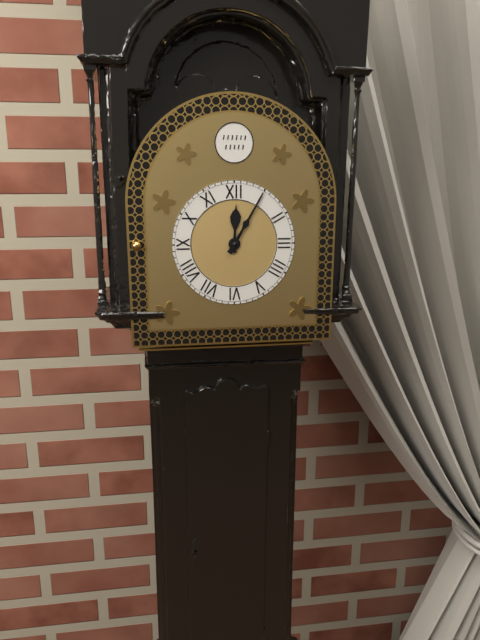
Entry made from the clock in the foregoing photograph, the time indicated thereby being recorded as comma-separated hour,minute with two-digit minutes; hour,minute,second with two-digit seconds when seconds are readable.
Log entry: 12,05
